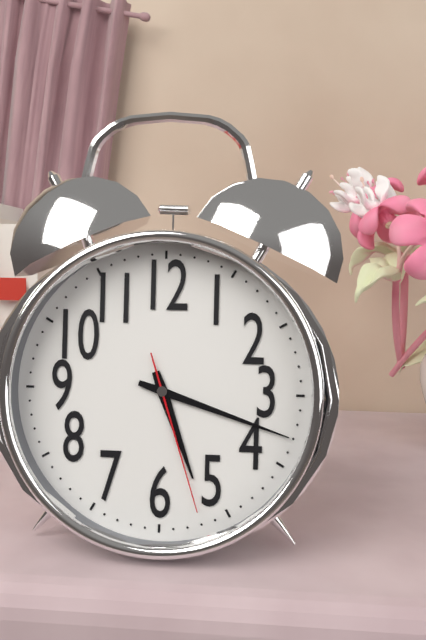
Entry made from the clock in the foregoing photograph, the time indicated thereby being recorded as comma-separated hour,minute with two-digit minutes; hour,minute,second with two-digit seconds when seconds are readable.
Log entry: 5,18,27
